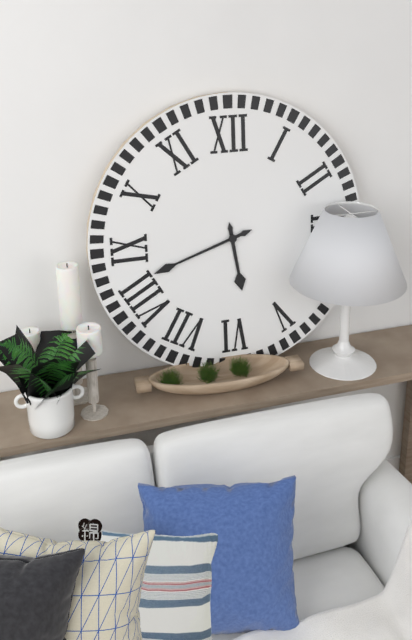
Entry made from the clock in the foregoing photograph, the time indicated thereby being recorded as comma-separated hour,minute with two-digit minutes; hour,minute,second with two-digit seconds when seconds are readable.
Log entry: 5,42
